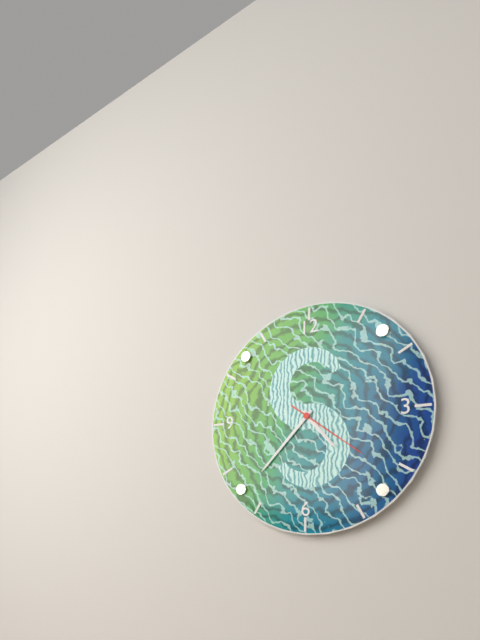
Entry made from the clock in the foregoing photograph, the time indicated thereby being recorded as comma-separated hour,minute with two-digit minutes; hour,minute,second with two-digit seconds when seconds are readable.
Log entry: 4,37,21
